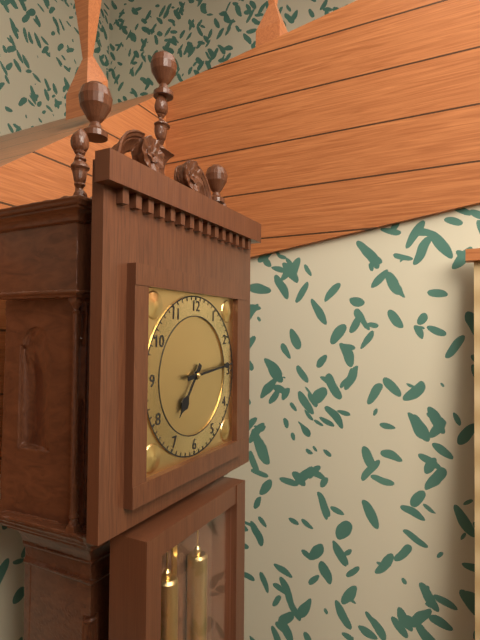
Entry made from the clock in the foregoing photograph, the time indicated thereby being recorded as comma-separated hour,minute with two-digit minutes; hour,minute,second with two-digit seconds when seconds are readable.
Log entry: 7,14
